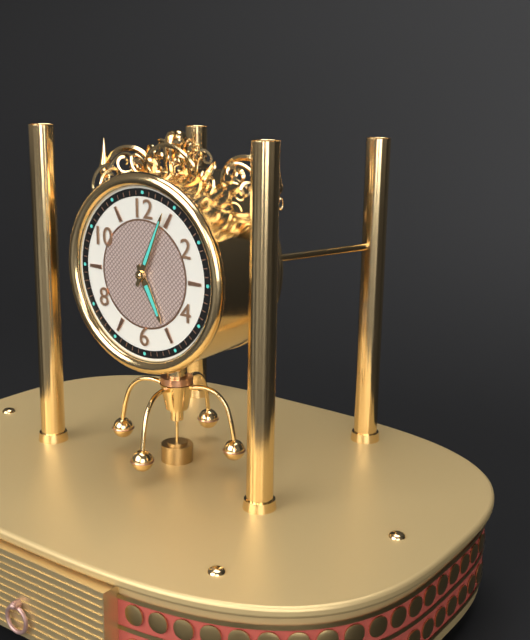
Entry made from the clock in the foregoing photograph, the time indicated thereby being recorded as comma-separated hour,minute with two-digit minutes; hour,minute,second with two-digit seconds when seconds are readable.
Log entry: 5,04
